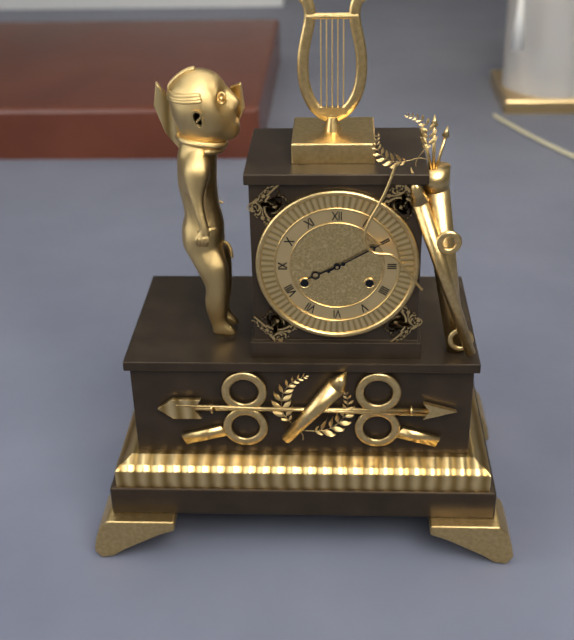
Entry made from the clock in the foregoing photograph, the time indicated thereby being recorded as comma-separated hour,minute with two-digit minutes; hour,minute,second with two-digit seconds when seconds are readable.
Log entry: 8,10
